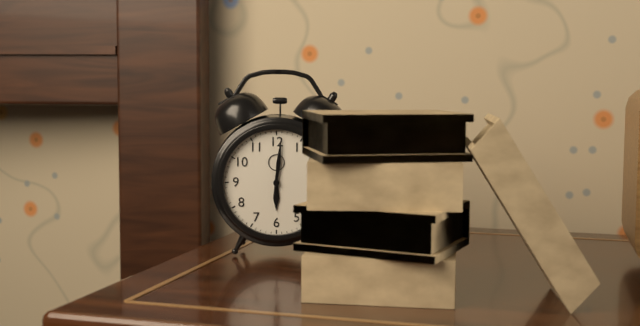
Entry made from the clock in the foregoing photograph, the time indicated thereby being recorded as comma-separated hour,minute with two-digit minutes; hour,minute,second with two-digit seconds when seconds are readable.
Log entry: 6,01
